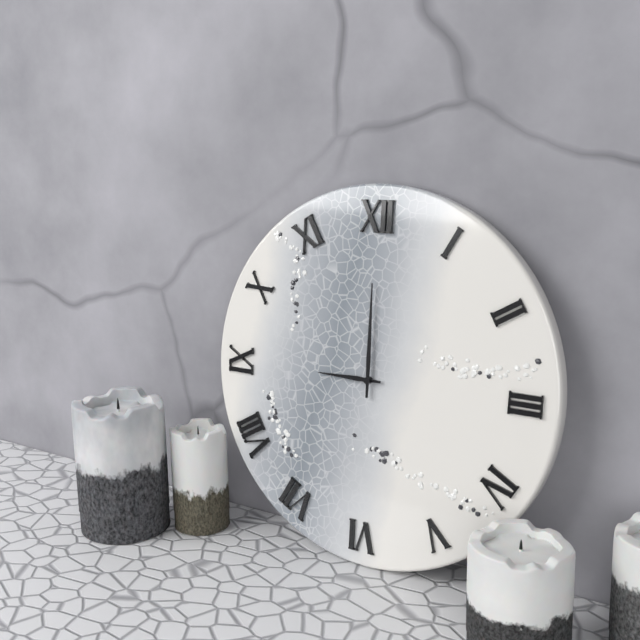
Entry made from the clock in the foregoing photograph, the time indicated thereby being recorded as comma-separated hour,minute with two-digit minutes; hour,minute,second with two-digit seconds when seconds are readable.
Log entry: 9,00
